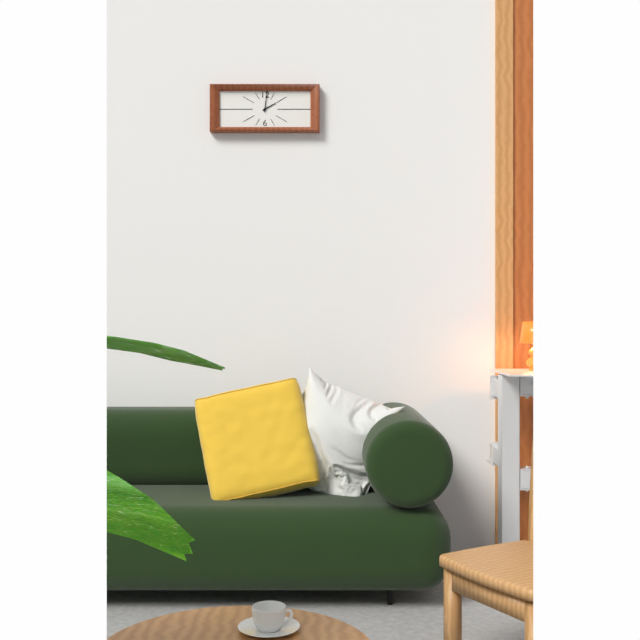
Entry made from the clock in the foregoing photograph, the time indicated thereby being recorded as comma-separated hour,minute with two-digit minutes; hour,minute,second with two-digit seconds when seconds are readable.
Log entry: 2,01
